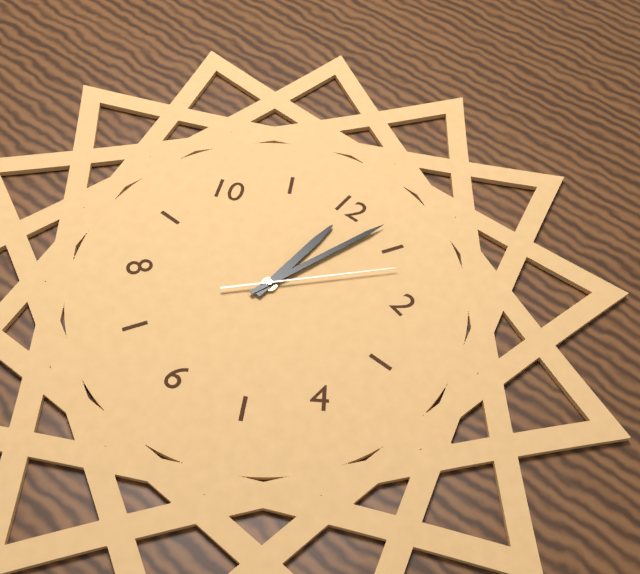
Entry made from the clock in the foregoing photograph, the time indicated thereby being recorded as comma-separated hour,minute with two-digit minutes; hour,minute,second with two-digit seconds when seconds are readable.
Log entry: 12,03,07
